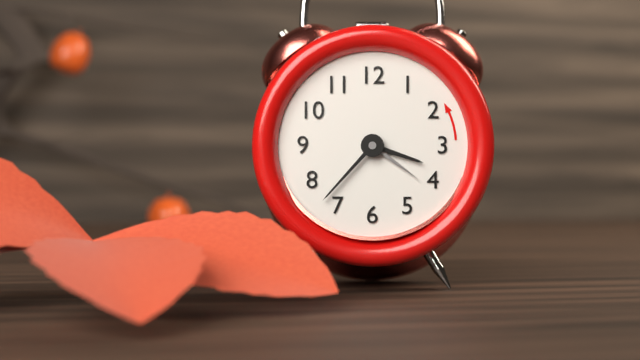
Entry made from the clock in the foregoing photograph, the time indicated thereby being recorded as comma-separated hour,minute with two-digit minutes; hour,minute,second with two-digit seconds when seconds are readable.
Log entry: 3,37,21
